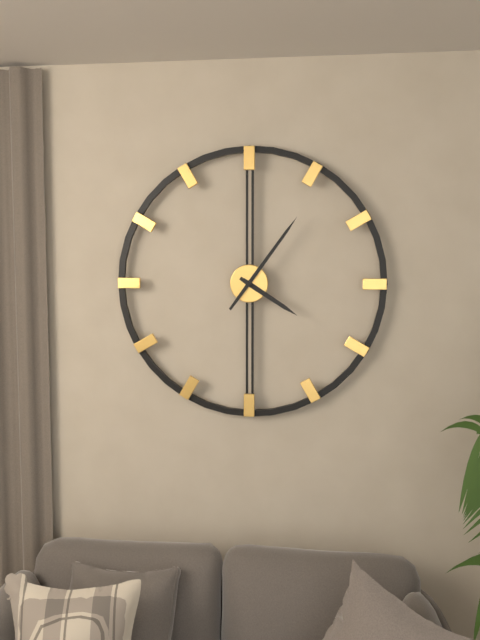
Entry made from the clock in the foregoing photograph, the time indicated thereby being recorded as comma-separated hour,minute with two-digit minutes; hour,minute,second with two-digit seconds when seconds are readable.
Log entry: 4,06
